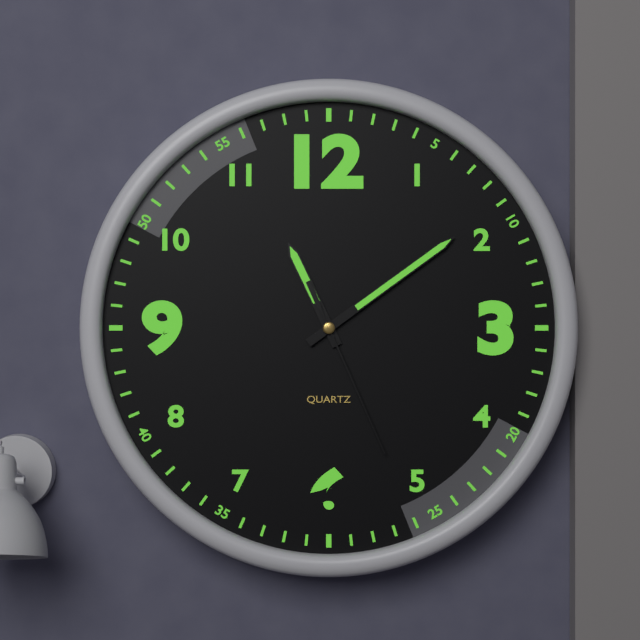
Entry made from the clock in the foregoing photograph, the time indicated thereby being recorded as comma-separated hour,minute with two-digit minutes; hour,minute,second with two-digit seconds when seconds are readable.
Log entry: 11,09,26
